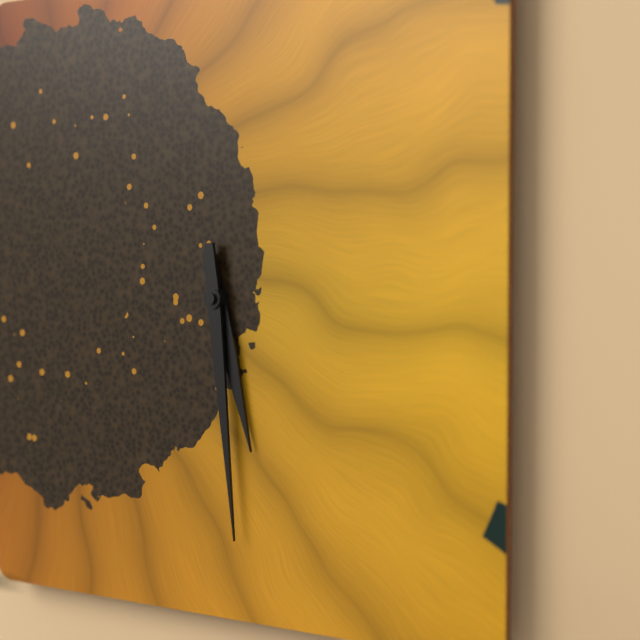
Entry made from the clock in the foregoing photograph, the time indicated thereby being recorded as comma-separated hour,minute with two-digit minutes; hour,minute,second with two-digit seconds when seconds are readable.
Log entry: 5,29
